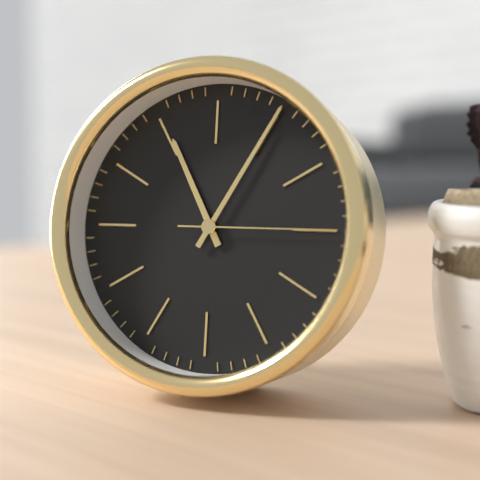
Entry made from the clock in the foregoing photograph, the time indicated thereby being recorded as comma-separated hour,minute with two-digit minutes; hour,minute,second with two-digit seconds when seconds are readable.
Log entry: 11,05,15
